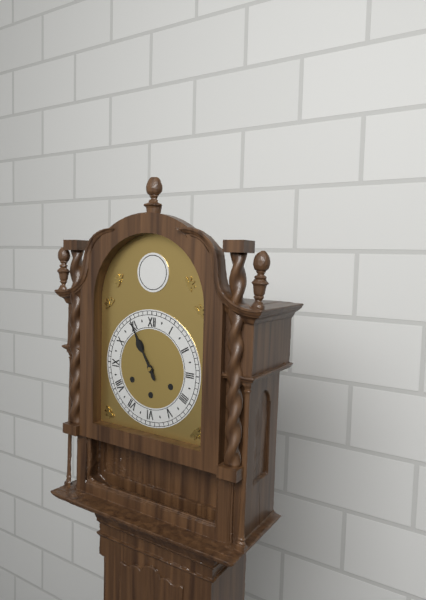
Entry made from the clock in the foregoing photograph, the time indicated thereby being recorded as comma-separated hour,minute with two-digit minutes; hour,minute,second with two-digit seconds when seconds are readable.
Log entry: 10,55
